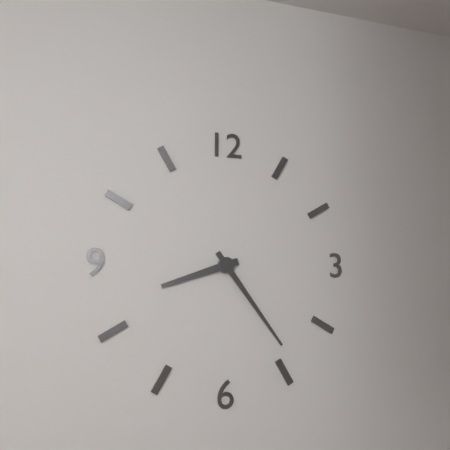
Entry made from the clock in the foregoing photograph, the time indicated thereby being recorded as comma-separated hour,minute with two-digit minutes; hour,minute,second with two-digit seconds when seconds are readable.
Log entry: 8,24
